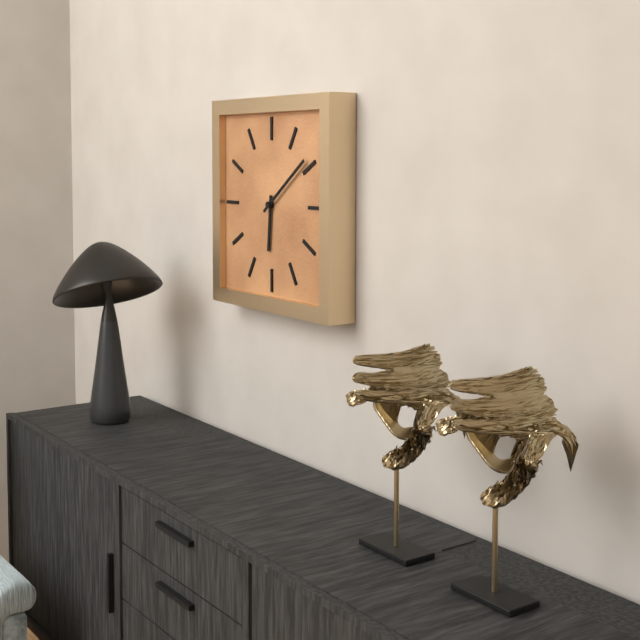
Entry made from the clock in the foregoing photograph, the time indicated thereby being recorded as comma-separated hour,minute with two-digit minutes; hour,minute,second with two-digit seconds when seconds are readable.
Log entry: 6,09
